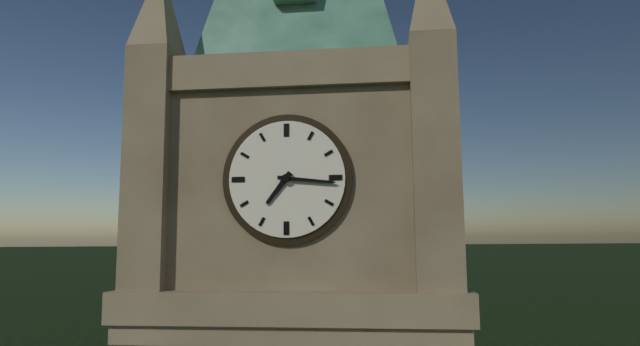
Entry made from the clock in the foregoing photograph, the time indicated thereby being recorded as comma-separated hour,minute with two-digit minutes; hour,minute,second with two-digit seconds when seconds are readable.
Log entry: 7,16
